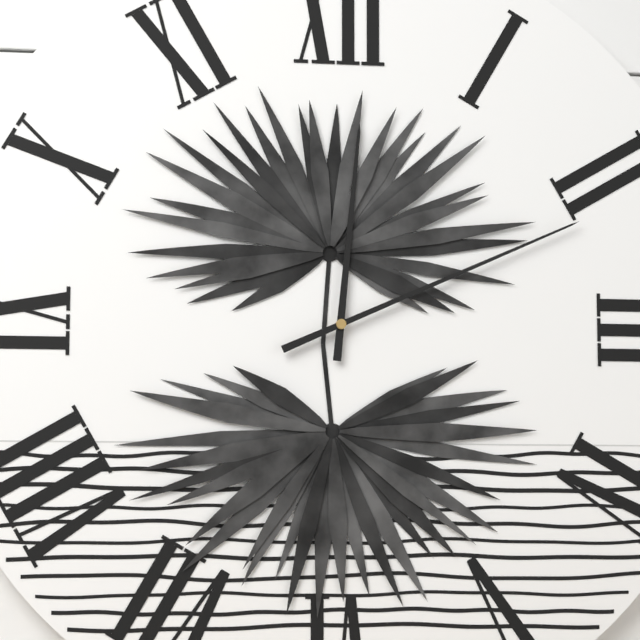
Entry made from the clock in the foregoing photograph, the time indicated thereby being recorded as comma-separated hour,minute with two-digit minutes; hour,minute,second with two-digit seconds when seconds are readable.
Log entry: 12,11
